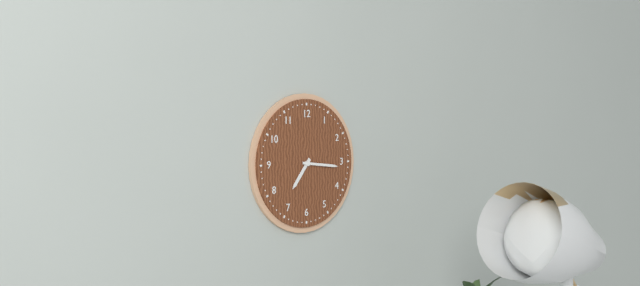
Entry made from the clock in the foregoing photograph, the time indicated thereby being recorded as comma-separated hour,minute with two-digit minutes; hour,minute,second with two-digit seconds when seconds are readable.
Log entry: 7,16
